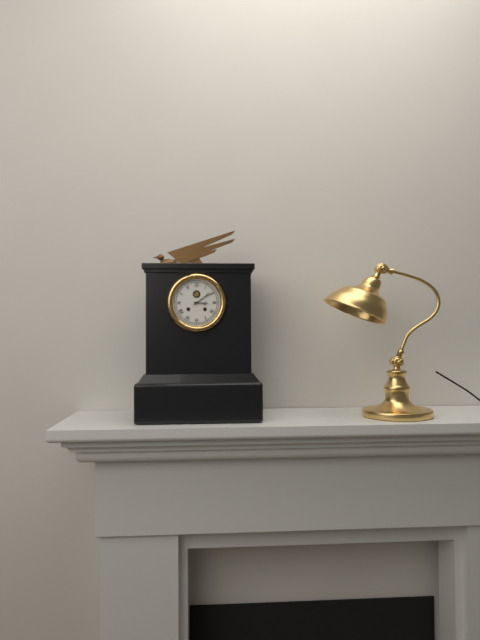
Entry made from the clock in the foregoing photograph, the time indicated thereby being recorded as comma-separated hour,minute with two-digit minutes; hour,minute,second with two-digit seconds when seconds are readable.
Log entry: 3,09
